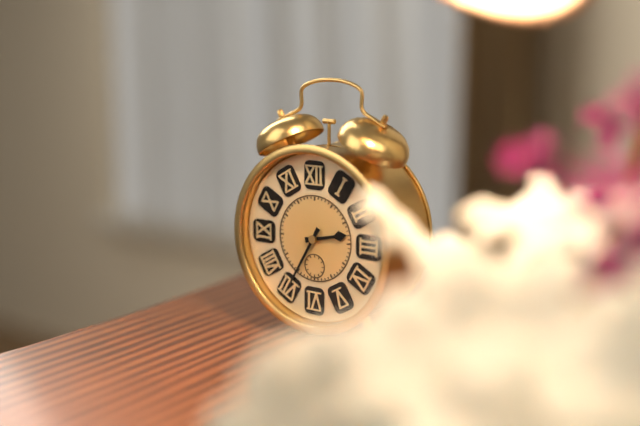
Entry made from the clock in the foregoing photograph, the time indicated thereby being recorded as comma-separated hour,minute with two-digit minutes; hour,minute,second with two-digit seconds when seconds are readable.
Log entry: 2,35
